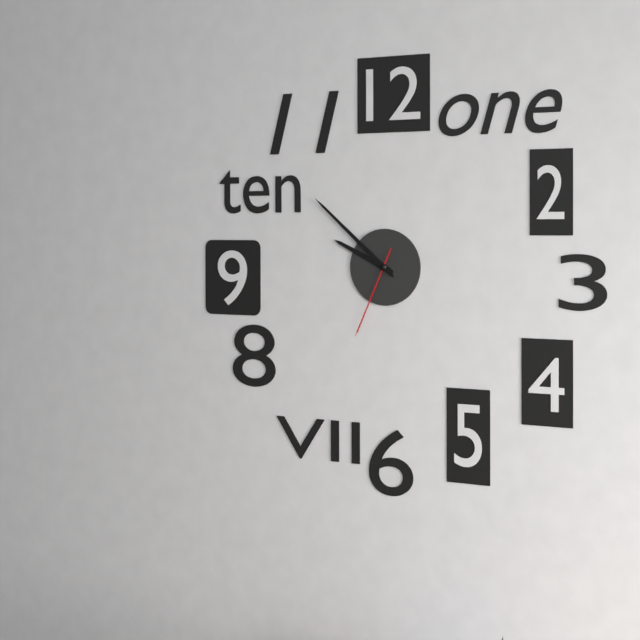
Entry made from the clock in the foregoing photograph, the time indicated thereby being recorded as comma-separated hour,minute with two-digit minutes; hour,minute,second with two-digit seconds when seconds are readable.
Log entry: 9,52,34
